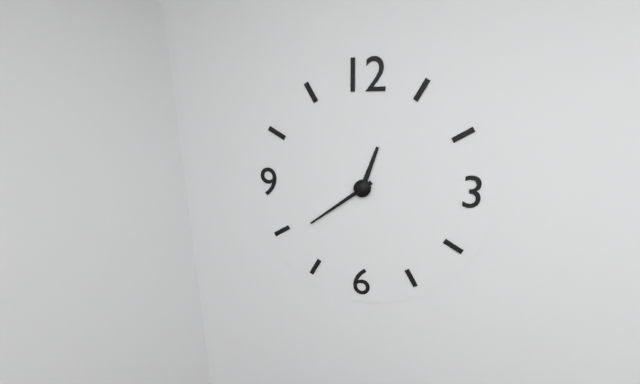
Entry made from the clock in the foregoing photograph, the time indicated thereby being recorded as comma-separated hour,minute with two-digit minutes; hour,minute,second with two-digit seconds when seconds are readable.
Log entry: 12,39
